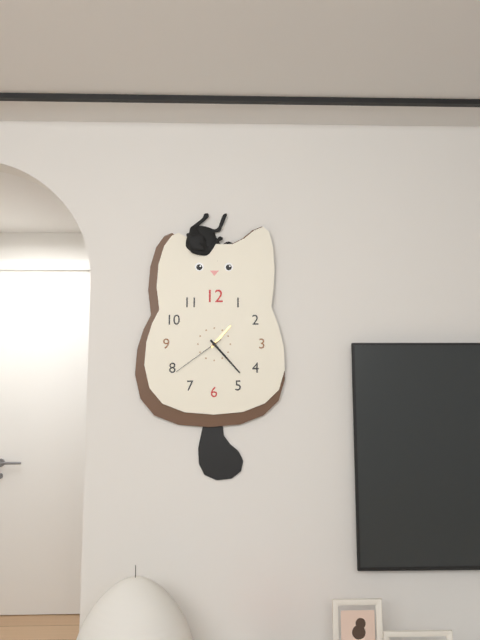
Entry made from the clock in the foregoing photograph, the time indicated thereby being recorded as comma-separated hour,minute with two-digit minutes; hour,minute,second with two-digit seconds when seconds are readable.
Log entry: 1,23,39
